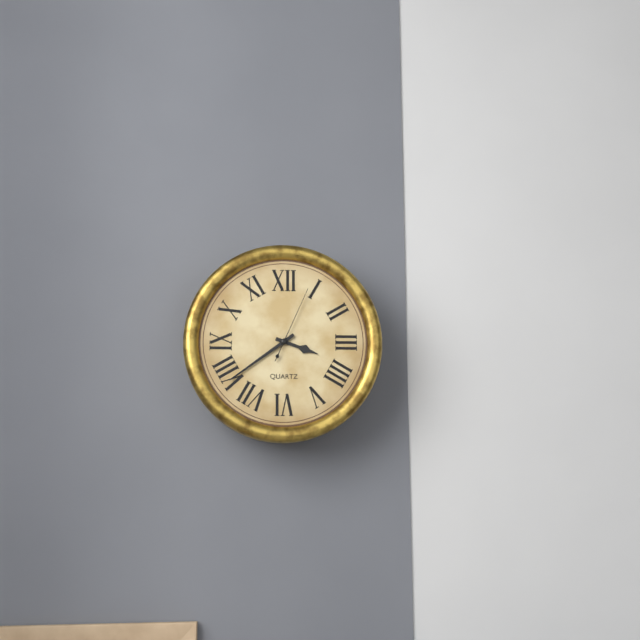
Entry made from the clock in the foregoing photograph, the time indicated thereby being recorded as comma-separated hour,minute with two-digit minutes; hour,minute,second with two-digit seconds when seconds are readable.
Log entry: 3,39,04
